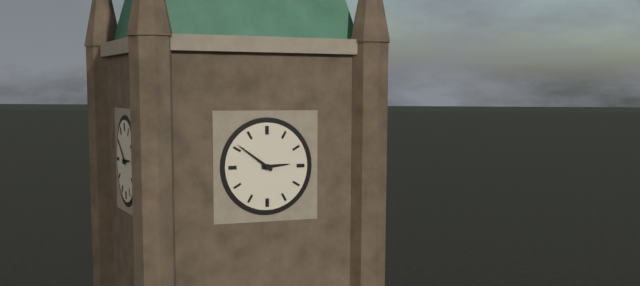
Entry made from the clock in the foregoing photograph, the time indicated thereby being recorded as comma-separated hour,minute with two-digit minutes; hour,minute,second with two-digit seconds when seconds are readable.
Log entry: 2,51
